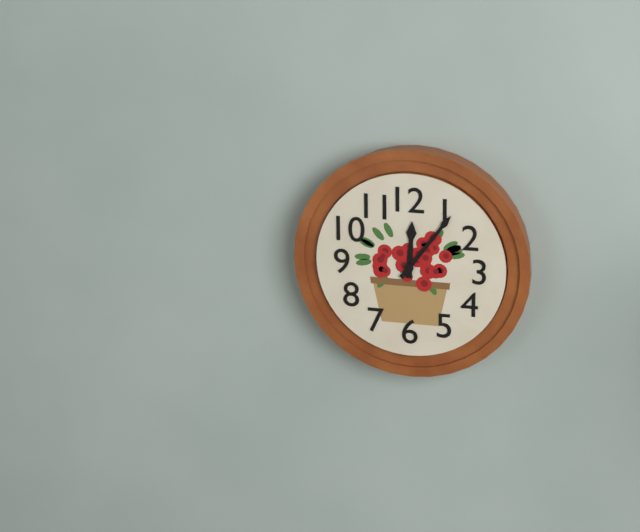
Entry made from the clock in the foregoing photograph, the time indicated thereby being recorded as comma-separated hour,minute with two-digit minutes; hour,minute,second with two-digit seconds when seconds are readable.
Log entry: 12,06
